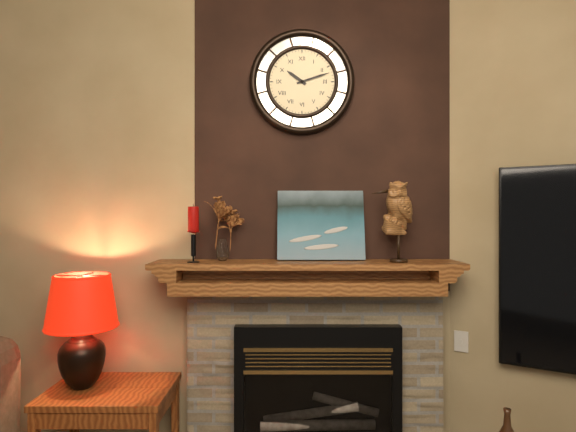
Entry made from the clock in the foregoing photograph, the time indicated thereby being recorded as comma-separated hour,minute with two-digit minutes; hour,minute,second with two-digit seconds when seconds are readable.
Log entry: 10,12
